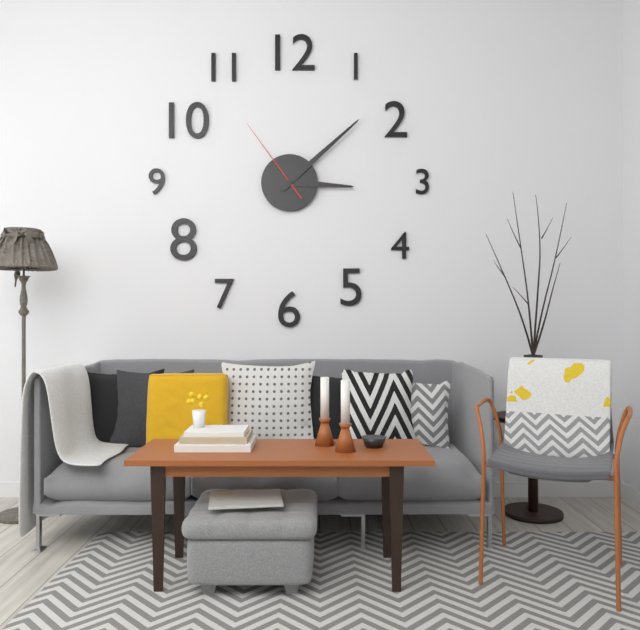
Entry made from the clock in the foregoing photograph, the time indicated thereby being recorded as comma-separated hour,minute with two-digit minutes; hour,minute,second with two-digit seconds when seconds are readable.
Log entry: 3,08,54
